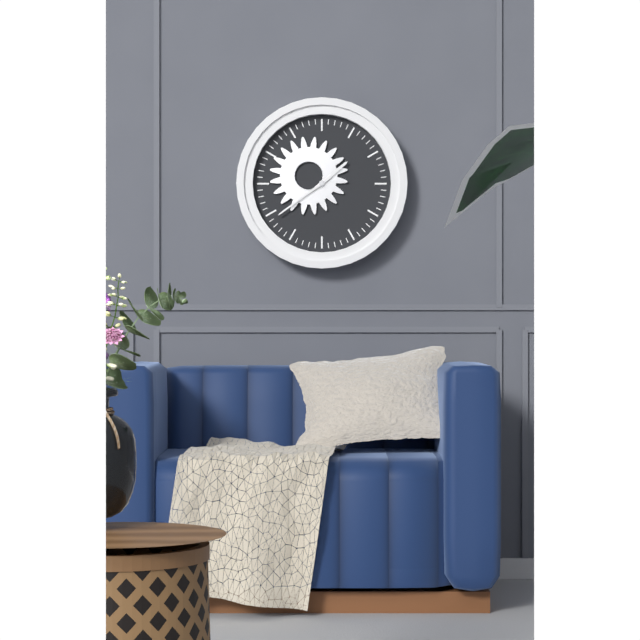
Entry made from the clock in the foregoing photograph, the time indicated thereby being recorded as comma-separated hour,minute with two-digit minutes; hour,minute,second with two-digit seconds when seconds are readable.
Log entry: 1,39
